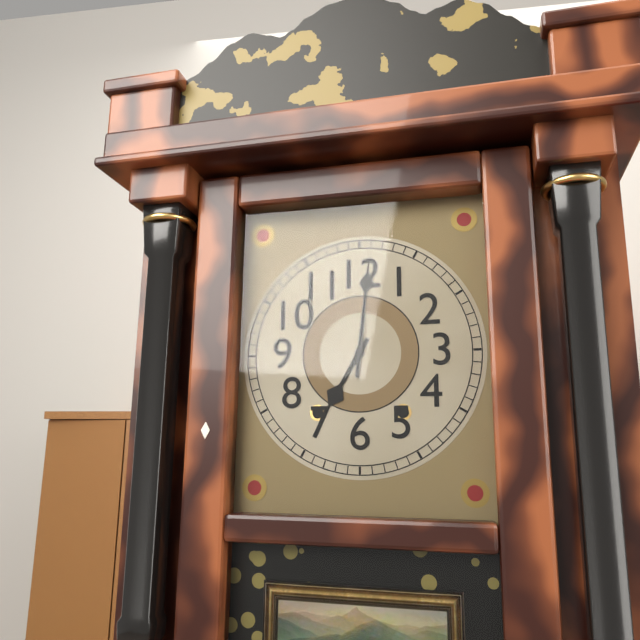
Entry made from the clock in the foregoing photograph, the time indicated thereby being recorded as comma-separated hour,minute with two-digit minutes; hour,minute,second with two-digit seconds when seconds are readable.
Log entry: 7,01
